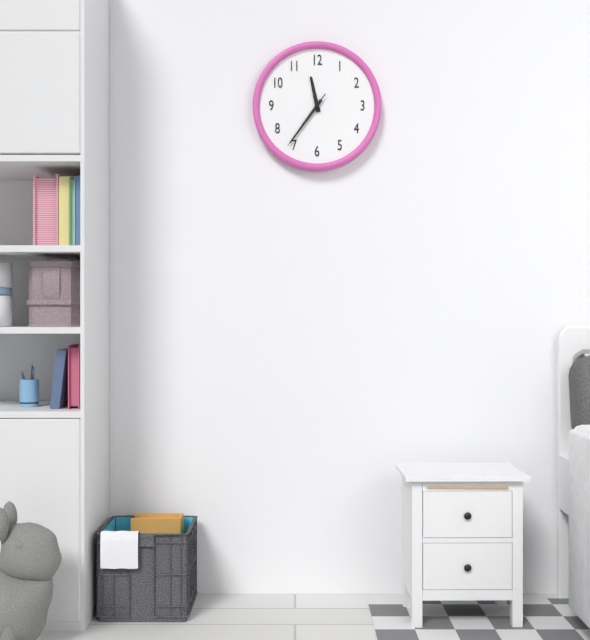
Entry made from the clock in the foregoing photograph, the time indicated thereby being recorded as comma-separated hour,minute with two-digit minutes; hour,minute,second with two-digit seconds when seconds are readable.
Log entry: 11,36,36
